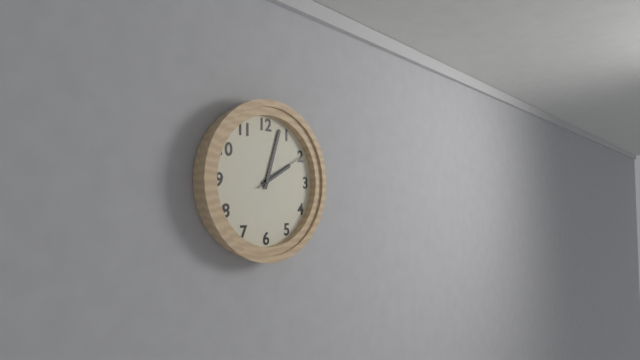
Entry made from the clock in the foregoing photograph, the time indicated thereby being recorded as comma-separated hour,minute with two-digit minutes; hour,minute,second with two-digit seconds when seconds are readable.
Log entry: 2,03,10
